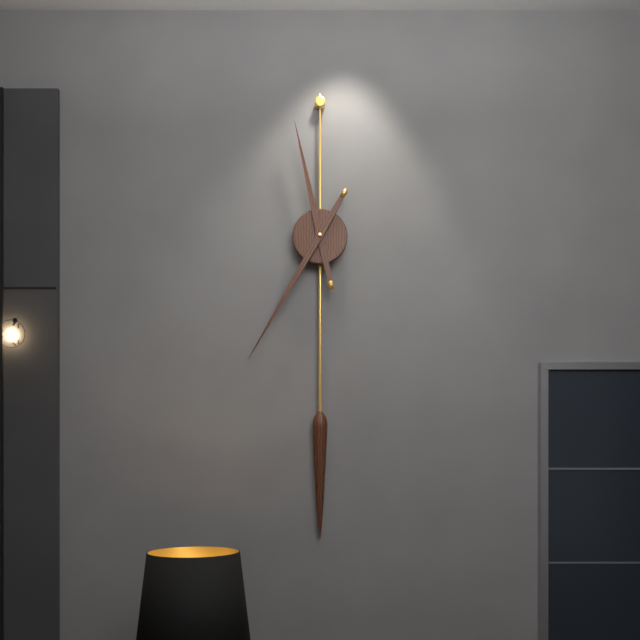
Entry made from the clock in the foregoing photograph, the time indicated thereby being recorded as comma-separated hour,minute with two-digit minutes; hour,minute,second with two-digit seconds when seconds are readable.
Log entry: 11,35
